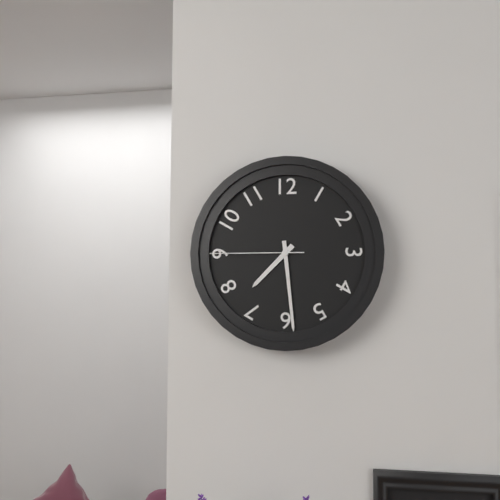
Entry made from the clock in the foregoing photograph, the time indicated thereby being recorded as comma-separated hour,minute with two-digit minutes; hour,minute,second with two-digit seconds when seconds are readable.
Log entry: 7,29,45
